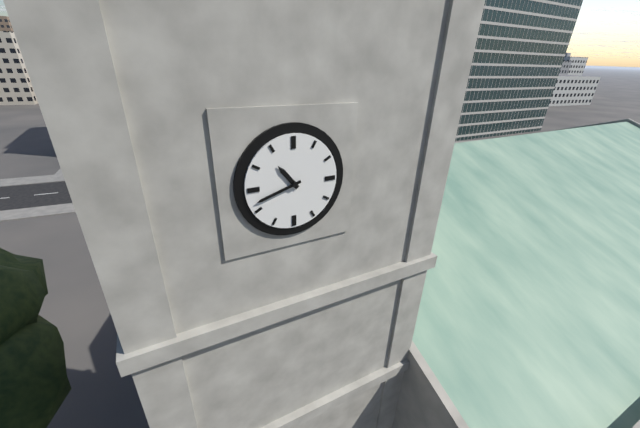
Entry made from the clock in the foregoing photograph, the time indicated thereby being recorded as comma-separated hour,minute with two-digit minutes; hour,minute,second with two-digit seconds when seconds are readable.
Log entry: 10,42
